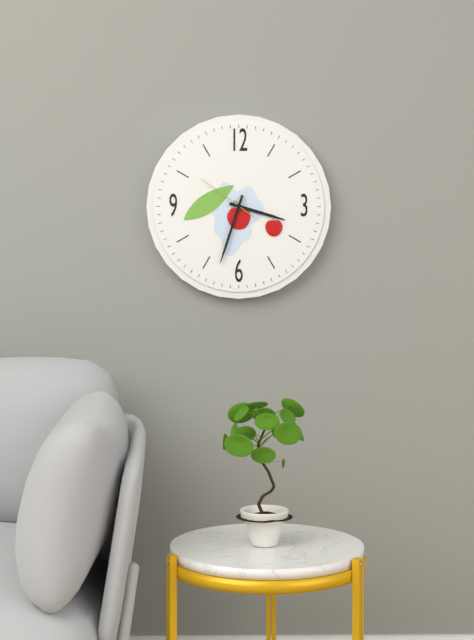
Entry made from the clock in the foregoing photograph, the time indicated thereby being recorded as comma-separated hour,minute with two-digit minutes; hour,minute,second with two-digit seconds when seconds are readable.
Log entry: 3,33,51
